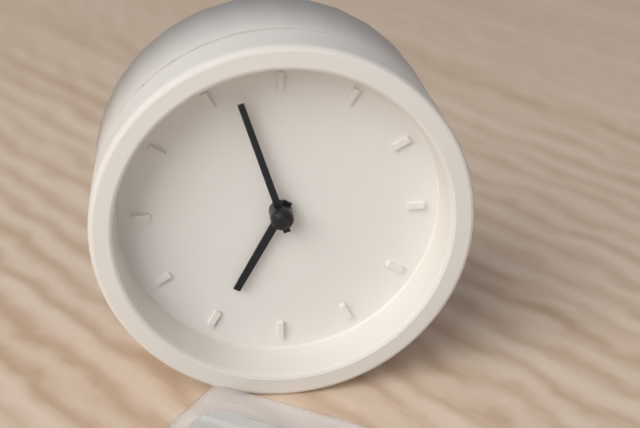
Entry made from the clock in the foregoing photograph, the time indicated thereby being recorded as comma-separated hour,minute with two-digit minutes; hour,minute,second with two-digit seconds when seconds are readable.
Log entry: 6,57
